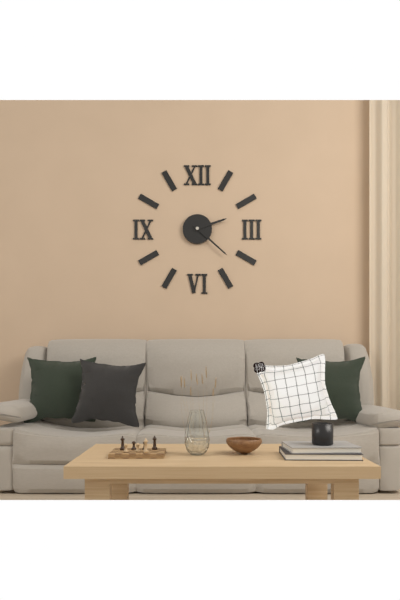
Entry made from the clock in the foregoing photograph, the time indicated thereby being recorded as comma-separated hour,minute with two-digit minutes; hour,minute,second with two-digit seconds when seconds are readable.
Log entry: 2,22
